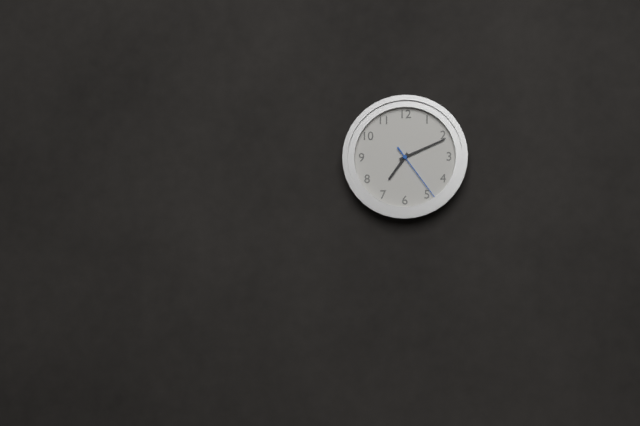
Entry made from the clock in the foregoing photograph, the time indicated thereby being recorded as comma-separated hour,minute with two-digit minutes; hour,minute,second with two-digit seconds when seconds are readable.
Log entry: 7,11,24
